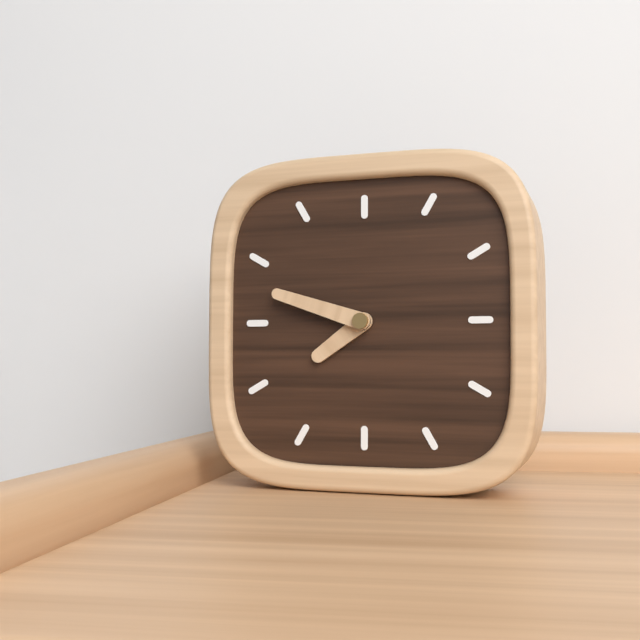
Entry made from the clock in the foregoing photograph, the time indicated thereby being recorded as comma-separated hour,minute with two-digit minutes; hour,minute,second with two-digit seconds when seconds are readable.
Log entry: 7,48
